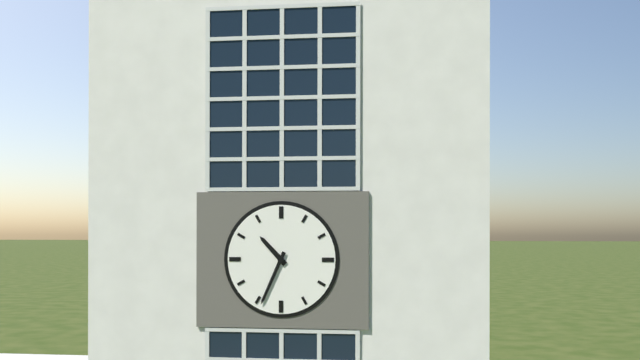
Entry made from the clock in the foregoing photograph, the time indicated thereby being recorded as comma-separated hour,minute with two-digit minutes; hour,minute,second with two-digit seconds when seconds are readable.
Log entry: 10,34
